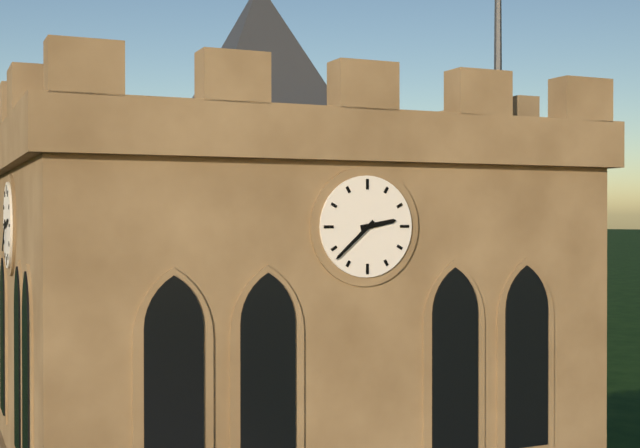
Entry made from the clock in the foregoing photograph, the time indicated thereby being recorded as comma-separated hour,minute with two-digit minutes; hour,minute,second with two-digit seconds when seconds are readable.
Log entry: 2,38
